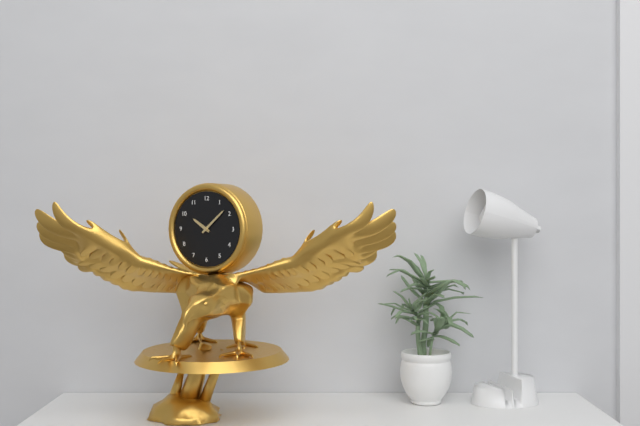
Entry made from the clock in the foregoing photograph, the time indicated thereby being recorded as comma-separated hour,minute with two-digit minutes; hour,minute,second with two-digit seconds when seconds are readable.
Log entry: 10,08
